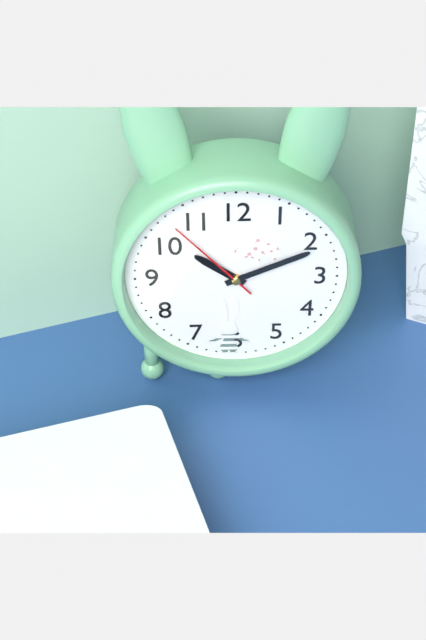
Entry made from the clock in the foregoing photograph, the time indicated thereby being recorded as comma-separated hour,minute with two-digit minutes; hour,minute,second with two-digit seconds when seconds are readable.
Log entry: 10,11,53
